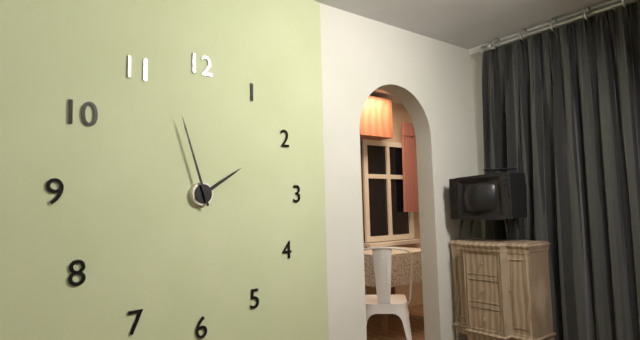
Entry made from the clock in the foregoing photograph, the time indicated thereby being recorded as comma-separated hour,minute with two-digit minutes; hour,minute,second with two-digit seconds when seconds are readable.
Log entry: 1,57
